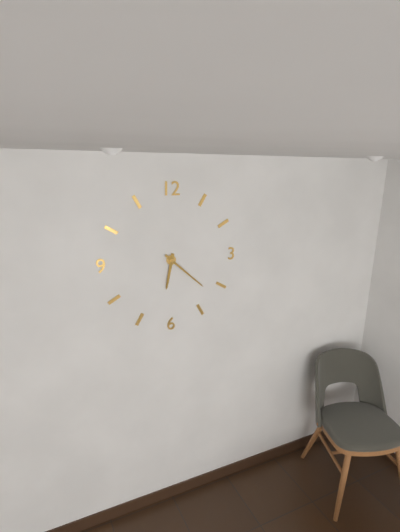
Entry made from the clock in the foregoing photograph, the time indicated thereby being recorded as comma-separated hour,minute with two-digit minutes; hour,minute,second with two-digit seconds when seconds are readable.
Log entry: 6,22
